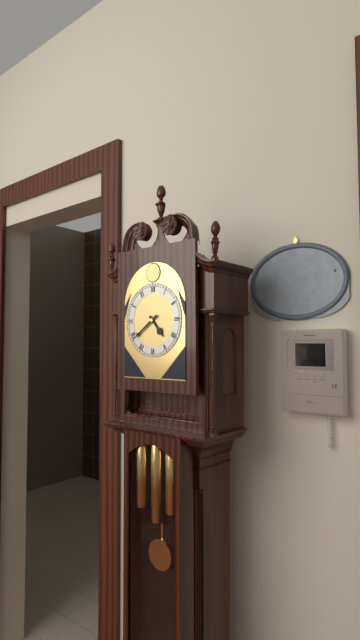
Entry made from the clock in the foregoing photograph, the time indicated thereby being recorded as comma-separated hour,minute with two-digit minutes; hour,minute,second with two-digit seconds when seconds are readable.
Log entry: 4,39
